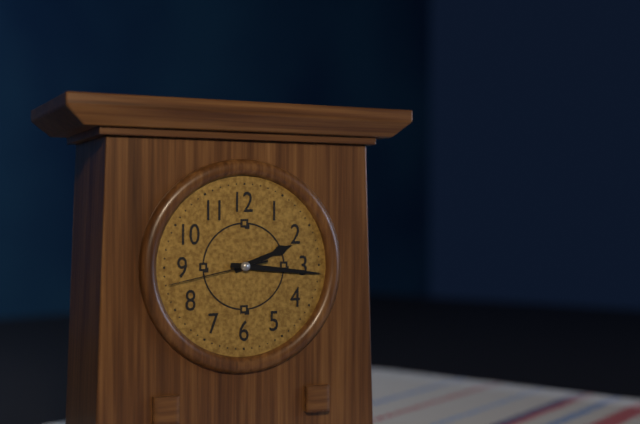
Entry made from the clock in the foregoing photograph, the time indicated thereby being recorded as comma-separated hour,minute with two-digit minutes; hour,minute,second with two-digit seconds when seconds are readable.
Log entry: 2,16,43
